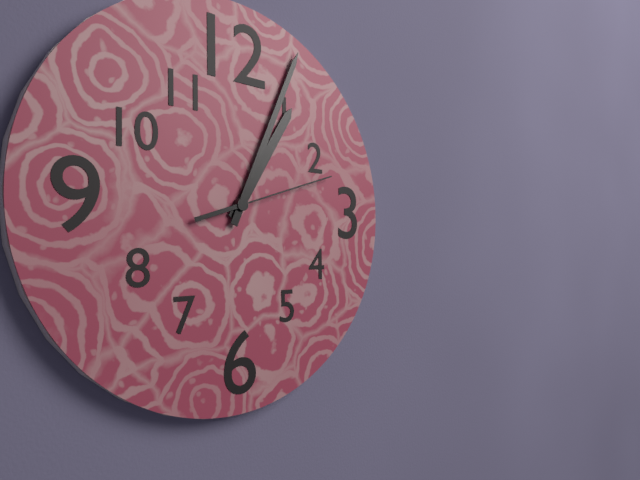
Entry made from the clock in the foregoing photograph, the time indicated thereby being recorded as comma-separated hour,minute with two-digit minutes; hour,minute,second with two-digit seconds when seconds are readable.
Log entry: 1,04,12
